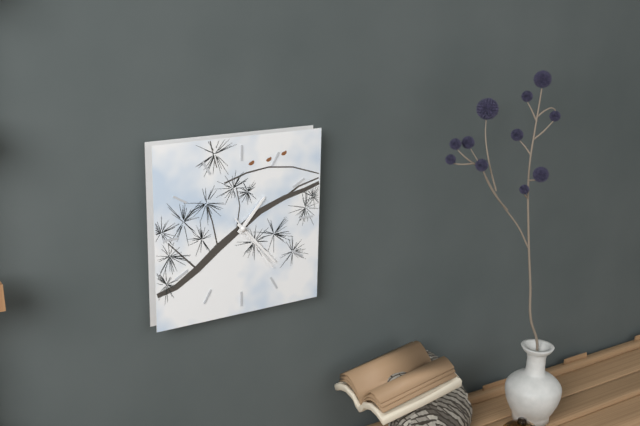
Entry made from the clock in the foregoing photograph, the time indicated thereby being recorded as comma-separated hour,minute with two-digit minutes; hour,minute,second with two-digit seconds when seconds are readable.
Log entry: 1,23,24
